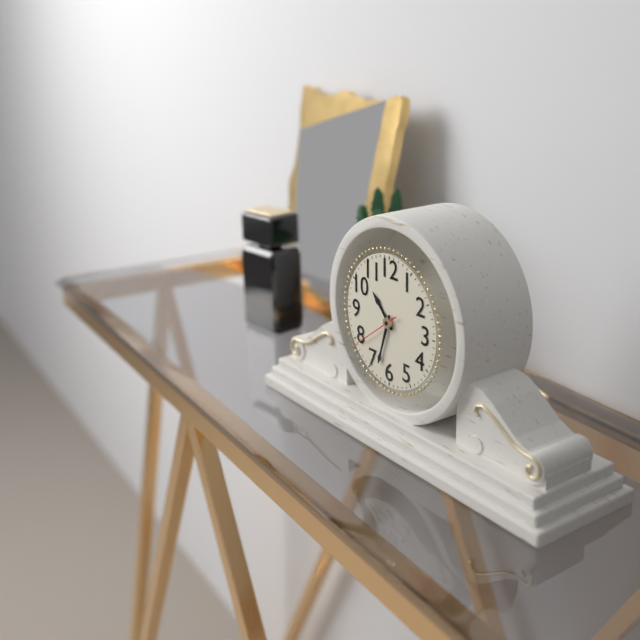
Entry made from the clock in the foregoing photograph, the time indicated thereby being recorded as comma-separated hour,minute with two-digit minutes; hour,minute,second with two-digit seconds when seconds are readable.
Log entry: 10,33
